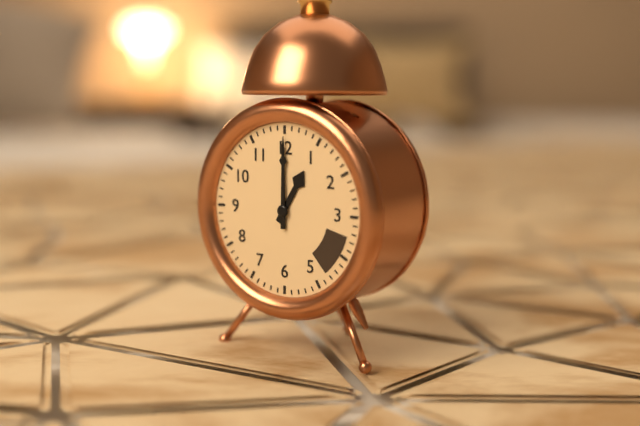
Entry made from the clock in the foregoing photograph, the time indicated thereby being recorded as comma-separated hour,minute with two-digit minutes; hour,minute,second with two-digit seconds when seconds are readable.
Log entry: 1,00
